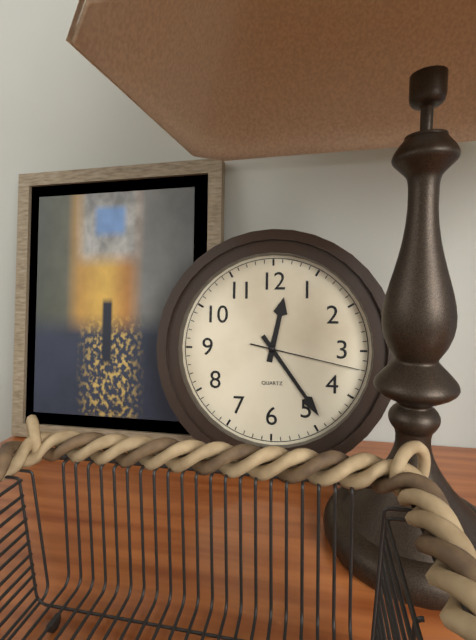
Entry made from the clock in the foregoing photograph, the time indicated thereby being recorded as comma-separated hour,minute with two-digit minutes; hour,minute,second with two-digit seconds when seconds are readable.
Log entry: 12,24,17
